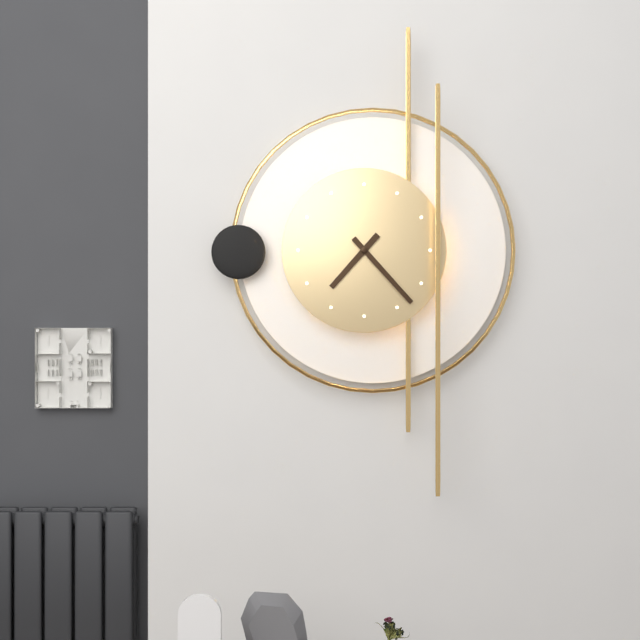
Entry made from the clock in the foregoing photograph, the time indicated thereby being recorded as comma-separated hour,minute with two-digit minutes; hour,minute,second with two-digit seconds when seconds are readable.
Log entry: 7,23
